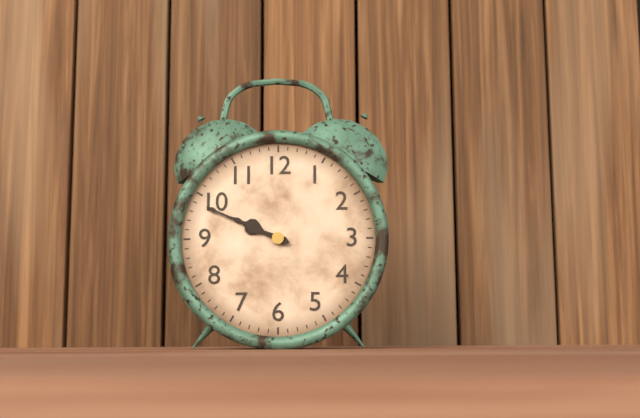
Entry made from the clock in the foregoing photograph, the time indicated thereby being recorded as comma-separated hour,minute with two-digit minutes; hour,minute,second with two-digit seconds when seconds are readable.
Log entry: 9,49
